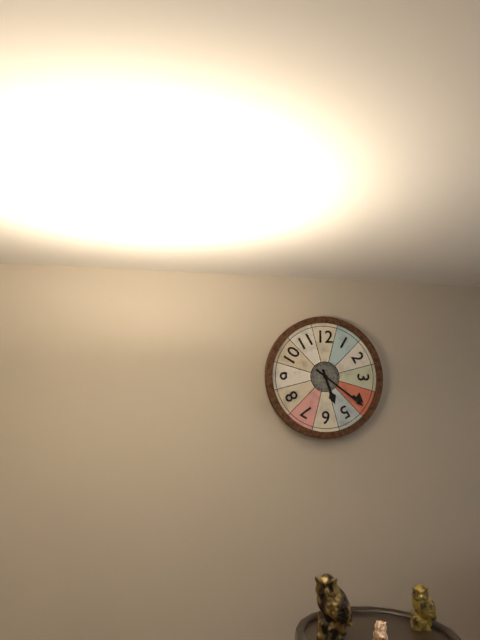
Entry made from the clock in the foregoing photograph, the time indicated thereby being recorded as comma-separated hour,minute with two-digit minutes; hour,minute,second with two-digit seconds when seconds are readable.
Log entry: 5,21
